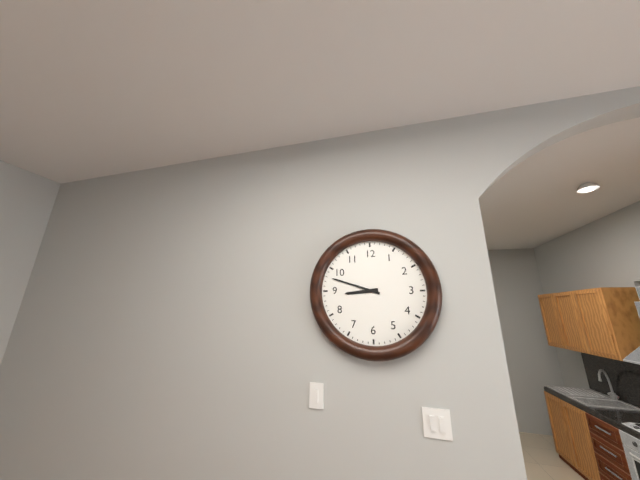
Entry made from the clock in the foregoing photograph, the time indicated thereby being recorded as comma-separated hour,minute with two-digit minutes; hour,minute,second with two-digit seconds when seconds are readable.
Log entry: 8,48
